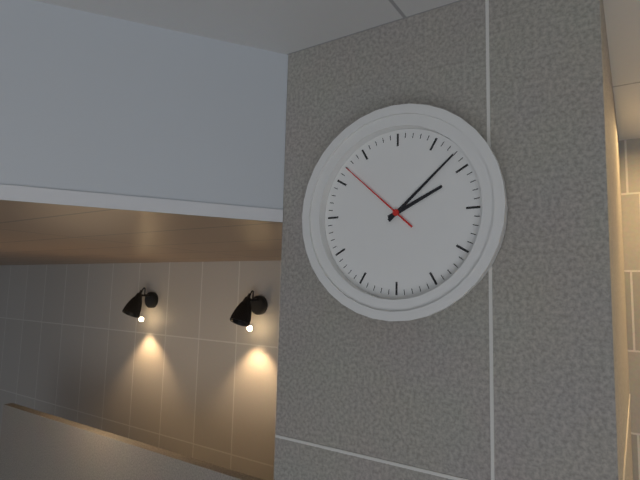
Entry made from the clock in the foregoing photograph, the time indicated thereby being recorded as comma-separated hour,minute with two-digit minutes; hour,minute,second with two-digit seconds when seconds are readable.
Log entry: 2,08,52
